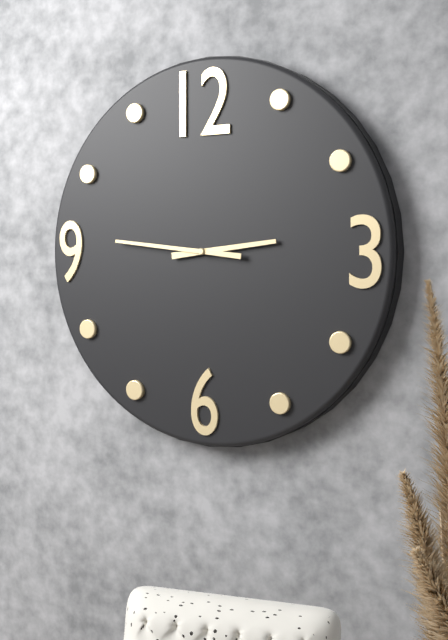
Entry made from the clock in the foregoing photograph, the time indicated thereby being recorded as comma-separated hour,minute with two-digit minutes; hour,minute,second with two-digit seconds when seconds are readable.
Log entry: 2,46
